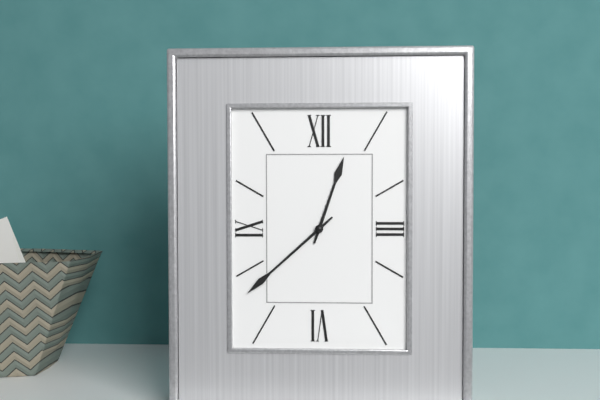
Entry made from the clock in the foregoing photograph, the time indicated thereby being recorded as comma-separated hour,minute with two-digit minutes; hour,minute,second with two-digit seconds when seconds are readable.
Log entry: 12,38
